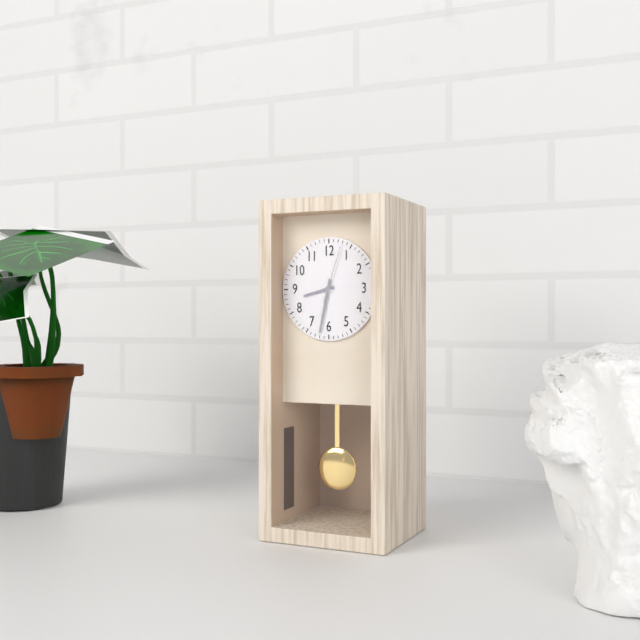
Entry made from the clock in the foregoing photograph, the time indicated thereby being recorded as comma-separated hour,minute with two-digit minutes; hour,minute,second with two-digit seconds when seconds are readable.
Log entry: 8,32,03
